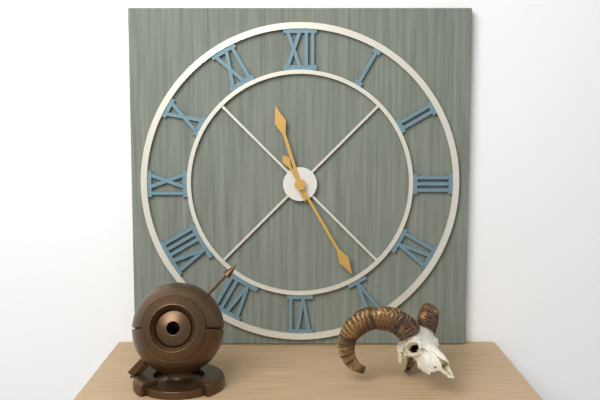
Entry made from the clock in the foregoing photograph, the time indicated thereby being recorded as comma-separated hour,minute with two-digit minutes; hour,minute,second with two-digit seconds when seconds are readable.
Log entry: 11,25
